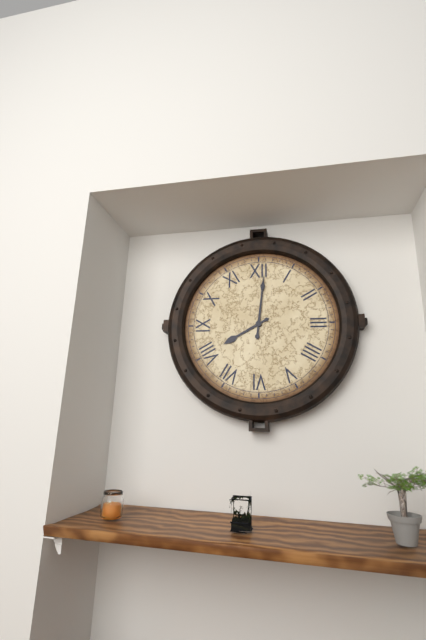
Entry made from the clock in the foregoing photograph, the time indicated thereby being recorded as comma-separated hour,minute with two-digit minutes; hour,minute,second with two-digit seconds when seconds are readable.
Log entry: 8,01
